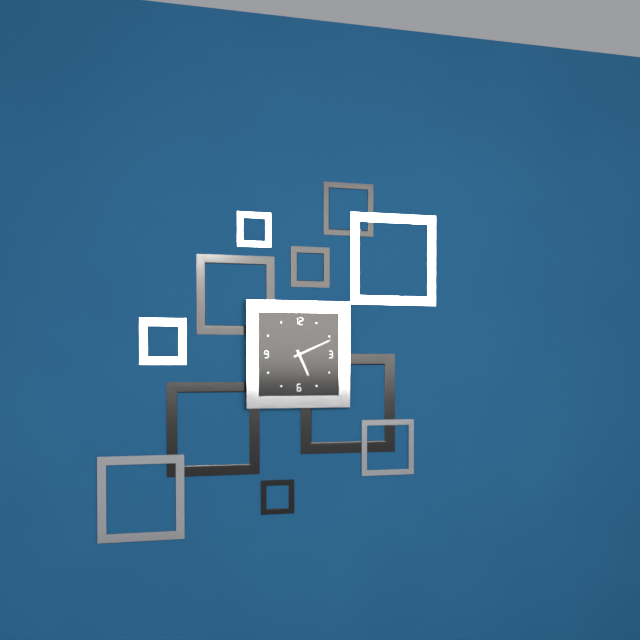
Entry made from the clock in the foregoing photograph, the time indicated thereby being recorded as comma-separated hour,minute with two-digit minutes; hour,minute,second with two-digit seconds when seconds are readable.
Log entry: 5,11
